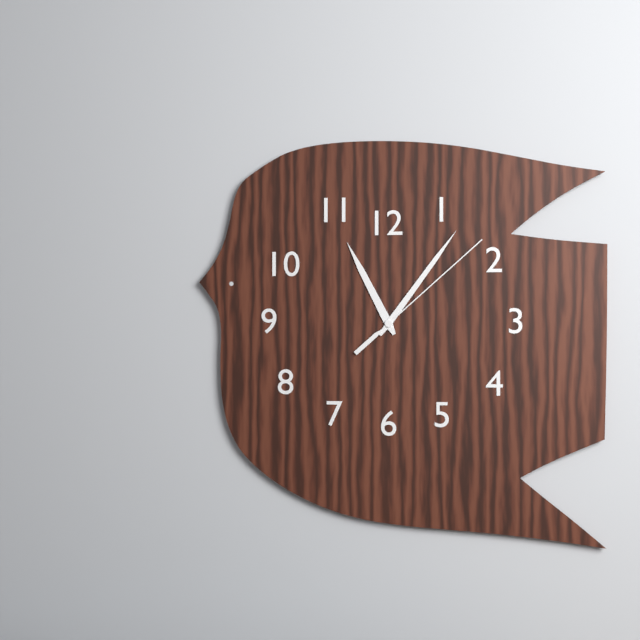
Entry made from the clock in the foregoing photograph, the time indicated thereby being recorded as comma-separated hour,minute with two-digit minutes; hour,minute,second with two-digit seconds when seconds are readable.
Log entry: 11,06,08
